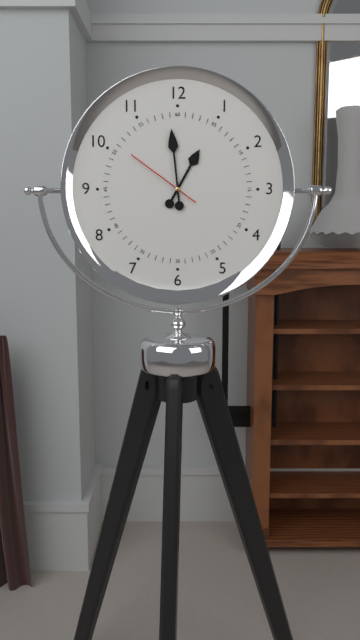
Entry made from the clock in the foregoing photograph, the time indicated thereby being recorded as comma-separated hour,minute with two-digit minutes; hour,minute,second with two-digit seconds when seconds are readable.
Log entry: 12,59,51
